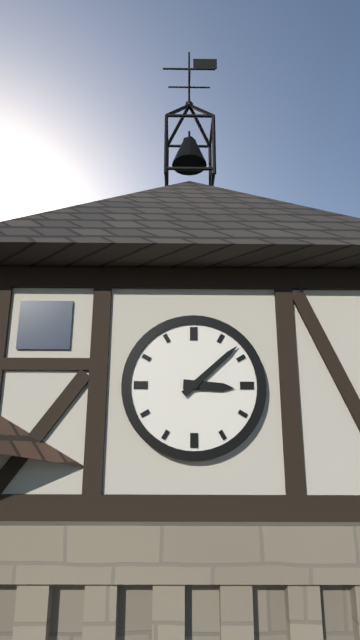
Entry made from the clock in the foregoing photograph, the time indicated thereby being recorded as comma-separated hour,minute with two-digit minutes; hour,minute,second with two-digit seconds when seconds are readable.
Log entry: 3,08
